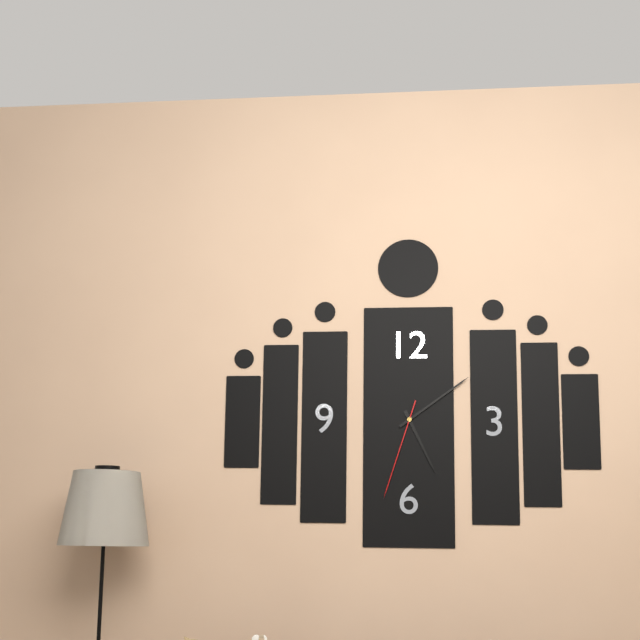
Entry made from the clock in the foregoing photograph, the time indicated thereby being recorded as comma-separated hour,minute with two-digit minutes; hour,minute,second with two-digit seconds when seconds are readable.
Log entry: 5,09,33
